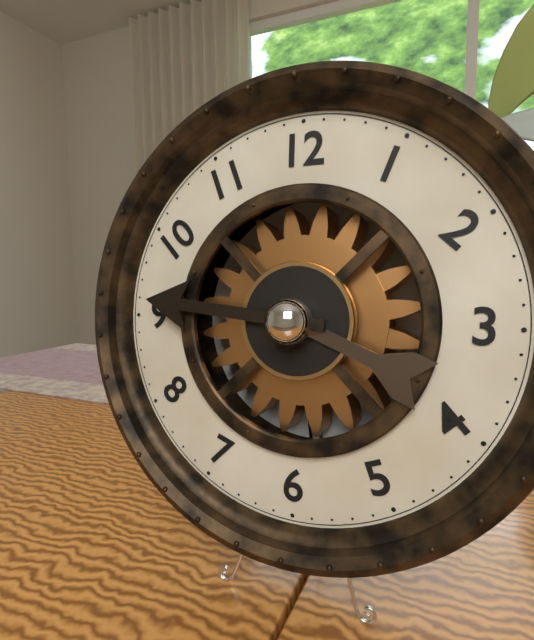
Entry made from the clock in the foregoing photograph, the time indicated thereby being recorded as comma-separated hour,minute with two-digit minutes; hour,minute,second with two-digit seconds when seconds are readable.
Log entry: 3,46
